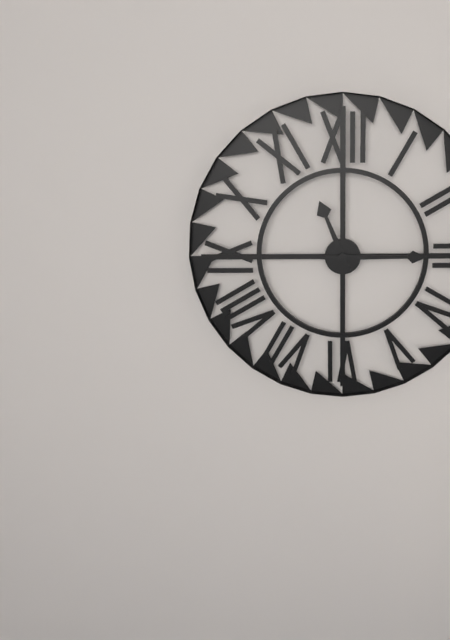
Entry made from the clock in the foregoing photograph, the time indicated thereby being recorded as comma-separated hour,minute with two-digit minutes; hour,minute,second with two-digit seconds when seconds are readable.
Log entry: 11,15
